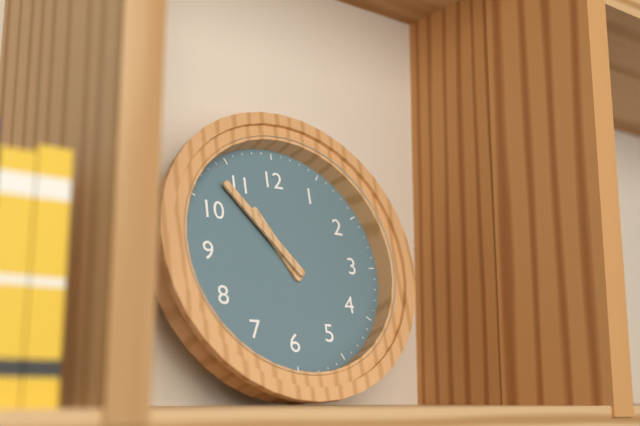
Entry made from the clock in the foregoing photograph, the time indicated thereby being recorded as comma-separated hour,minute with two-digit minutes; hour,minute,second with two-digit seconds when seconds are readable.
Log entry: 10,53
